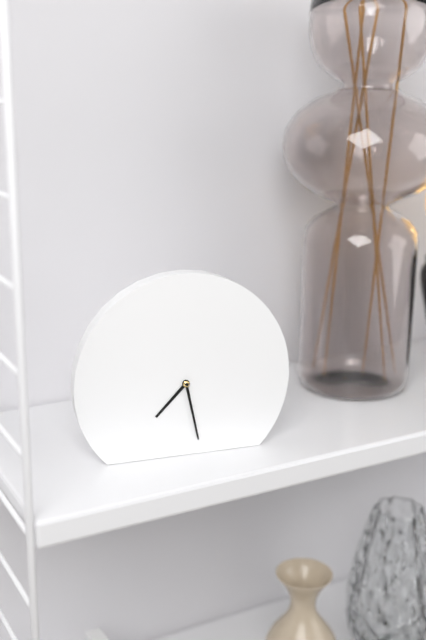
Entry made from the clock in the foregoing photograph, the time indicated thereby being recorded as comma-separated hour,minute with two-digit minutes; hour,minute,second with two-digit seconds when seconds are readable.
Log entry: 7,28
